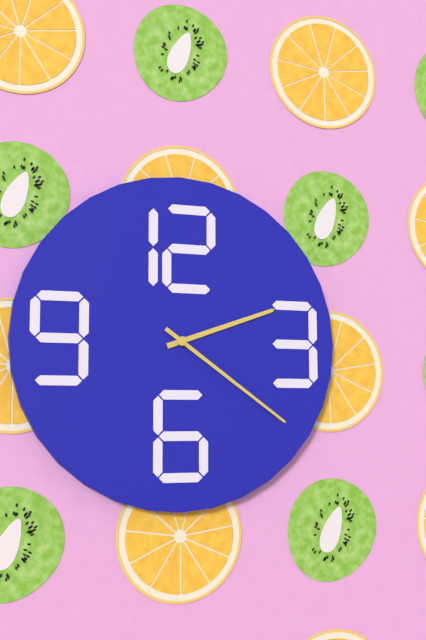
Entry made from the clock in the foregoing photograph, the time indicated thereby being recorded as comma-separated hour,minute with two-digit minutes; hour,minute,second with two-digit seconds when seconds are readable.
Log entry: 2,21
